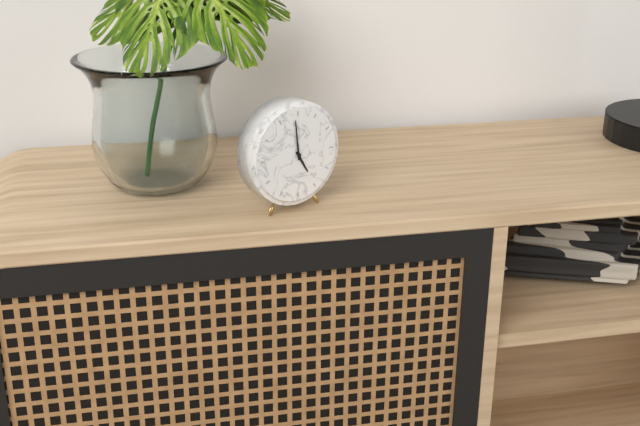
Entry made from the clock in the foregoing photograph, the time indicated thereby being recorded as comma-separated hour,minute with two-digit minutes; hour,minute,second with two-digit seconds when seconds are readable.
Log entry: 4,59
